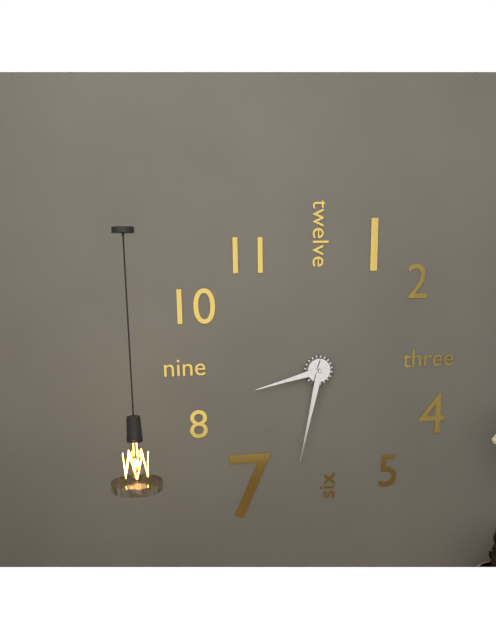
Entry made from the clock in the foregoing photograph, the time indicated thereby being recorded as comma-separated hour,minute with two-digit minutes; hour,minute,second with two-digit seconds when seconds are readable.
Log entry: 8,32
